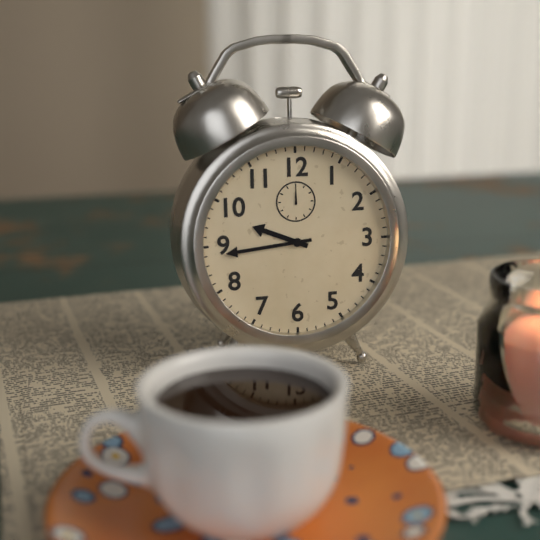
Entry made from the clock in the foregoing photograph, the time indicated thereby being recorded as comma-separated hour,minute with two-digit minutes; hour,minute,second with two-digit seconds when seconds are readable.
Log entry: 9,44
